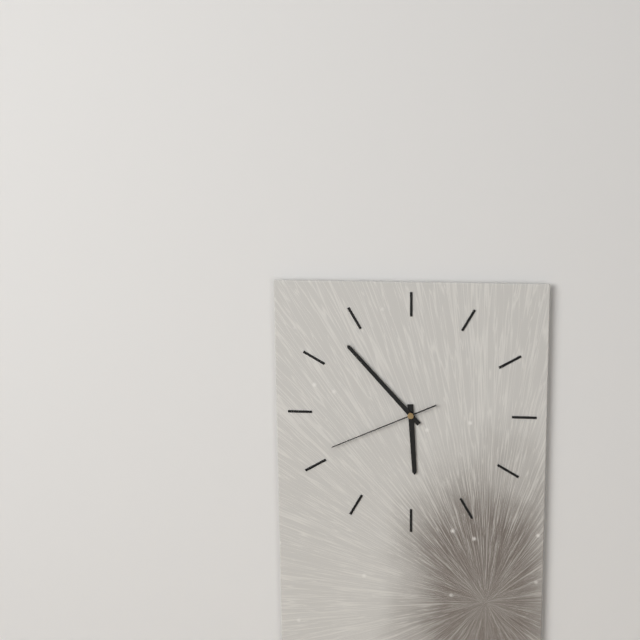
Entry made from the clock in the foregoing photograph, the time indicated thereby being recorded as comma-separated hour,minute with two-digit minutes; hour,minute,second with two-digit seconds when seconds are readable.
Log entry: 5,53,41
